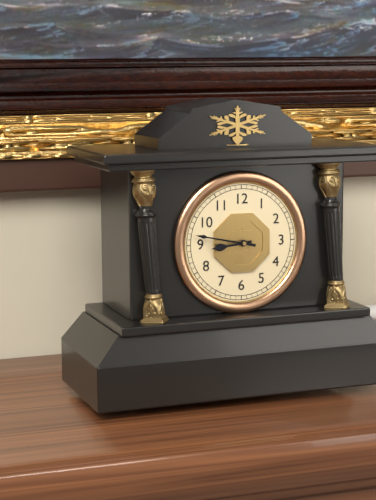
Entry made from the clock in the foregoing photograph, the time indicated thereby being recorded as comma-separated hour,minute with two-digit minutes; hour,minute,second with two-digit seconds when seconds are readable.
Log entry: 8,47
